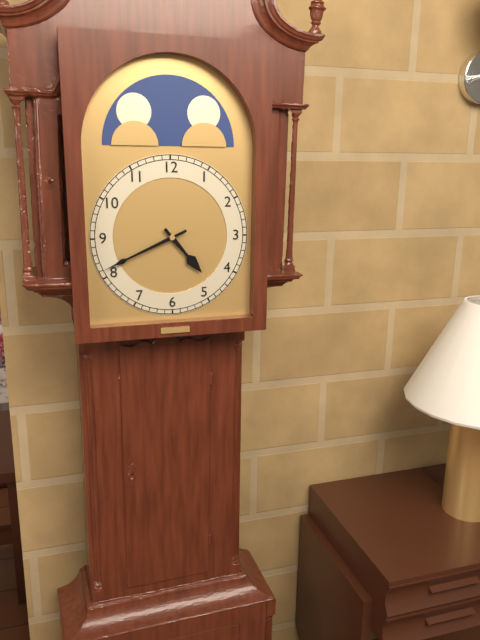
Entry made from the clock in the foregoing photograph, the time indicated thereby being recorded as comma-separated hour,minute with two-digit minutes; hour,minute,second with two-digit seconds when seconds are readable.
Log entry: 4,41
